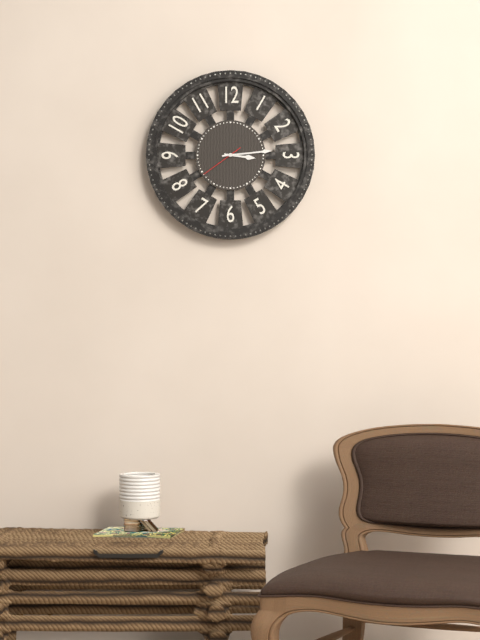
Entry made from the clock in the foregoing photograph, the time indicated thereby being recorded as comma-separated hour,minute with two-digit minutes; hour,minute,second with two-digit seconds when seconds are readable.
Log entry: 3,14
